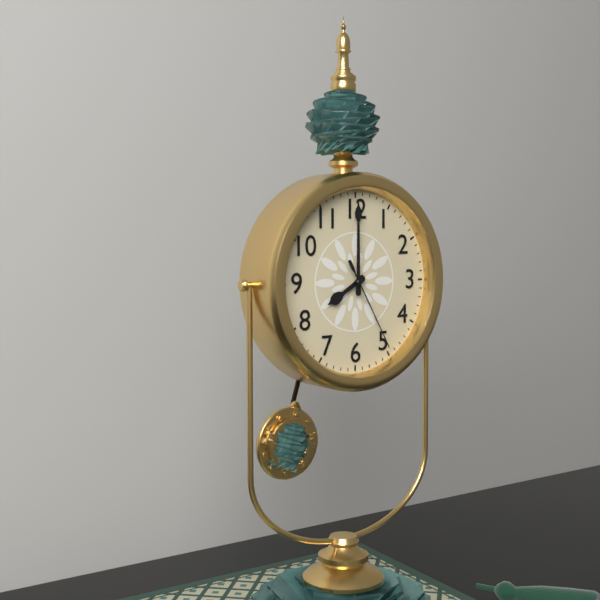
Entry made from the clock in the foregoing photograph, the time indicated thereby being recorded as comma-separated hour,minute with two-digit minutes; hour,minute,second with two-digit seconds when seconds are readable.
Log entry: 8,00,25
